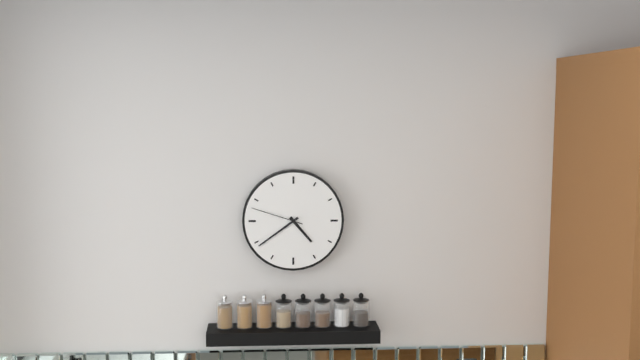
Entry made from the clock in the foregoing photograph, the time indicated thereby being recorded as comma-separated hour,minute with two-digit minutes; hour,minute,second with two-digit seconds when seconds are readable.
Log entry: 4,39,48
